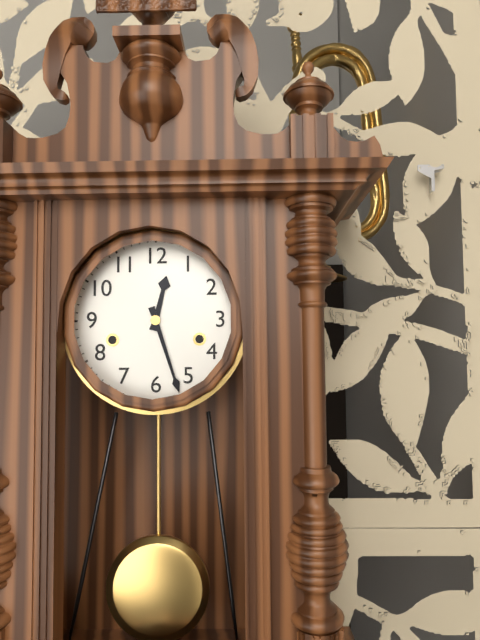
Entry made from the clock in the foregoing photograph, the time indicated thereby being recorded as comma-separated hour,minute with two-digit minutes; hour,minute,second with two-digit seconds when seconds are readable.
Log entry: 12,27
